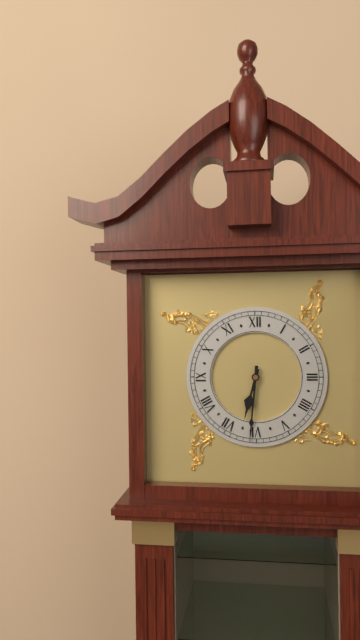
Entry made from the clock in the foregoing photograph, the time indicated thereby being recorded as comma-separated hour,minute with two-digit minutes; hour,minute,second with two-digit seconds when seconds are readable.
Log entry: 6,31
